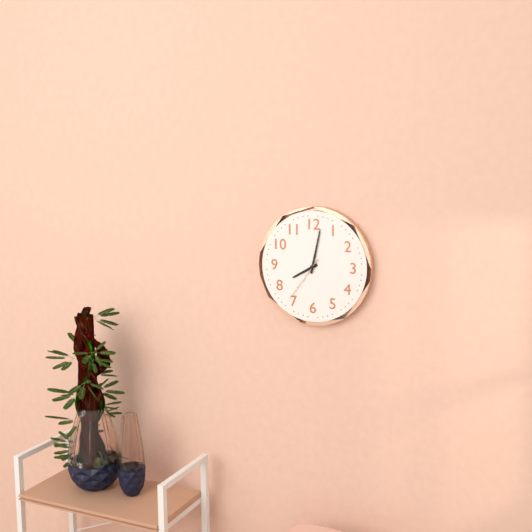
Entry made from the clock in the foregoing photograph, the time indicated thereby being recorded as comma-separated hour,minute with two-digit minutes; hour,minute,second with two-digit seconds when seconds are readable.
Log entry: 8,02,36
